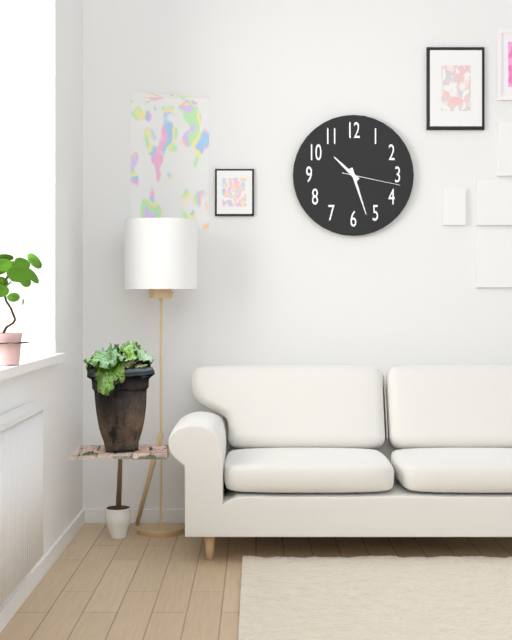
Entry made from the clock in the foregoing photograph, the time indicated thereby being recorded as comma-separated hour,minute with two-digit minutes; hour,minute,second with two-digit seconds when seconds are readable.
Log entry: 10,27,17
